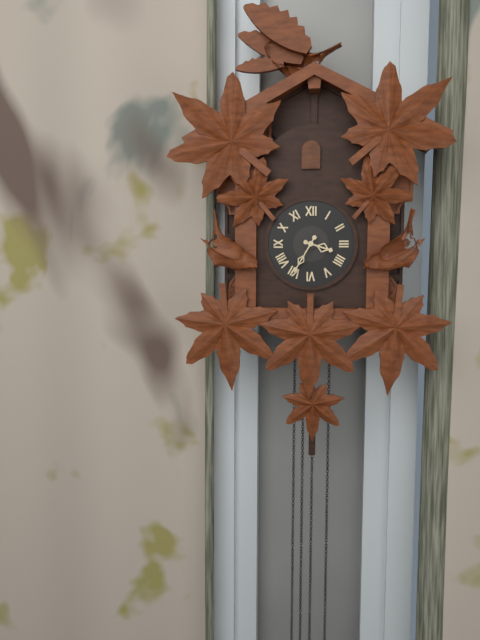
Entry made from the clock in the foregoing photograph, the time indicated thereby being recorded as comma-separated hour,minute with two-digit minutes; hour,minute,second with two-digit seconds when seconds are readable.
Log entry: 3,35
